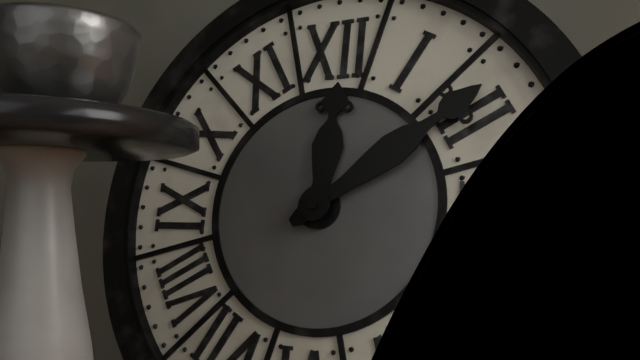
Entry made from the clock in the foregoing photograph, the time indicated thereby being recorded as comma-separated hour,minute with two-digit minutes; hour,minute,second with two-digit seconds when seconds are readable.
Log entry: 12,09
